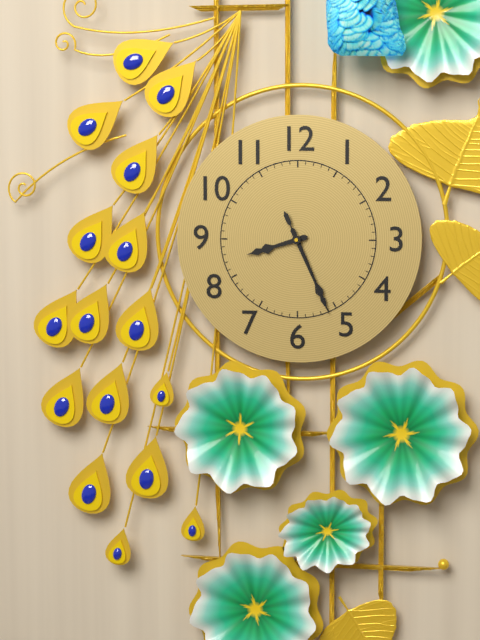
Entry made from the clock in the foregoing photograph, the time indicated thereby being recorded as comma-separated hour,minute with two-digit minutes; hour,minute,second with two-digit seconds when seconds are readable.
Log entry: 8,26,26
